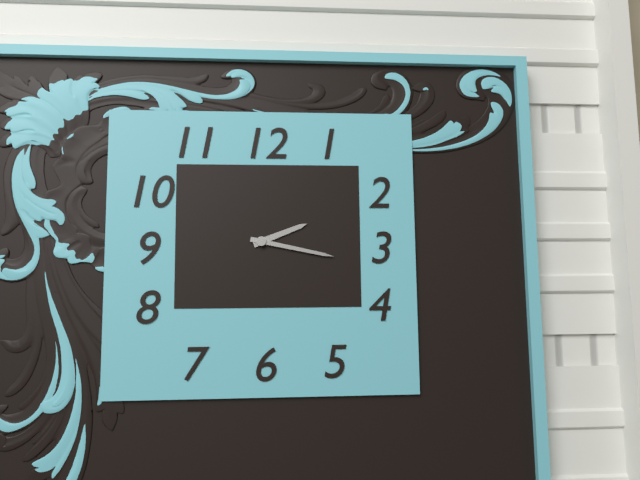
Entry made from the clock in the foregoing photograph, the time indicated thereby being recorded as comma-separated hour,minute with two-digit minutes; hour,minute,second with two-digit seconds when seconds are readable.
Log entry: 2,17
